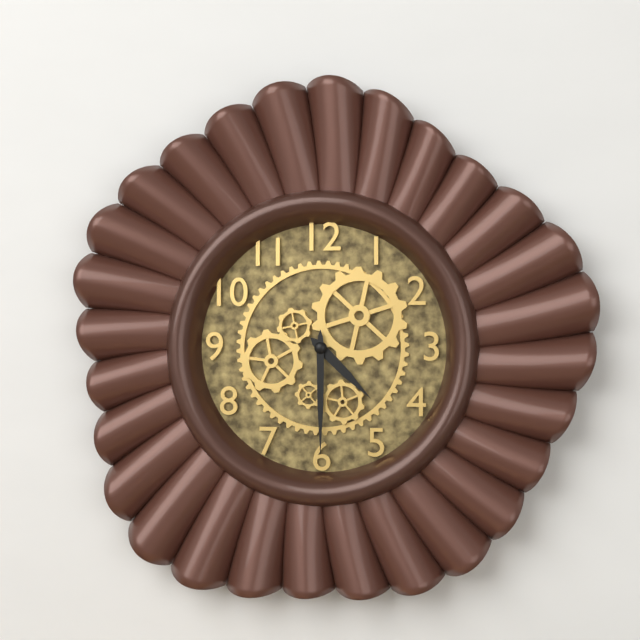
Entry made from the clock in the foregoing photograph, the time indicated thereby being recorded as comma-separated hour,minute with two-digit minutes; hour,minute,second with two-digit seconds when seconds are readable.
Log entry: 4,30
